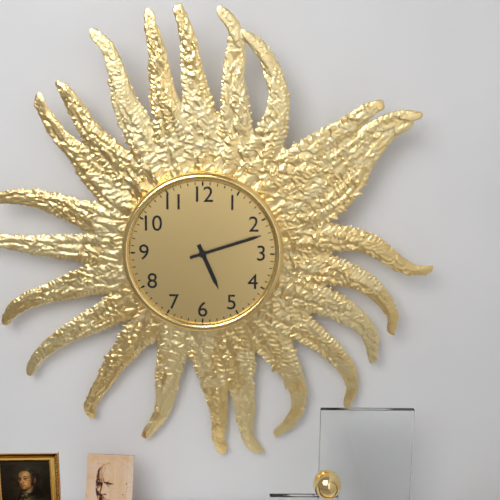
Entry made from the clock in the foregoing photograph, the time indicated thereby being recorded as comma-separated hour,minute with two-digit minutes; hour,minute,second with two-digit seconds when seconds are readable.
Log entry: 5,12
